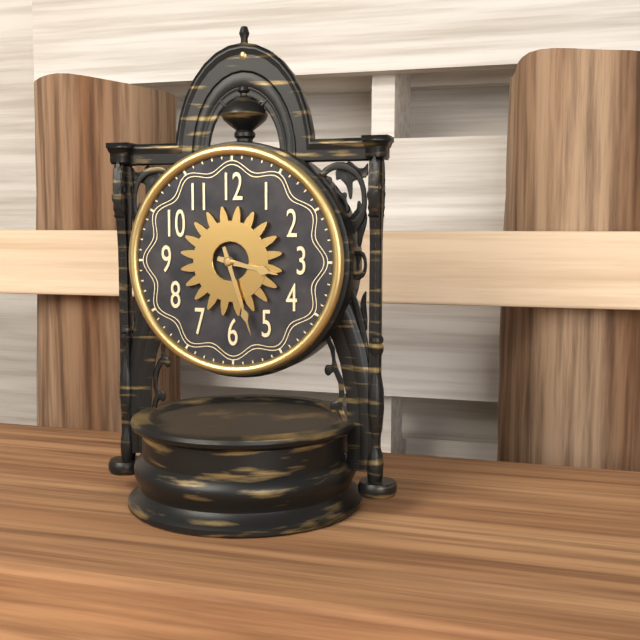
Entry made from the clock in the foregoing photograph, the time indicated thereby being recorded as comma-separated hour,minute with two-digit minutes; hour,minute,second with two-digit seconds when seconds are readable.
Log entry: 3,27
